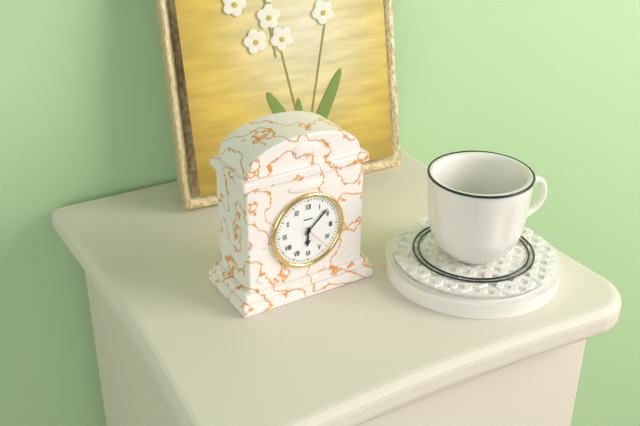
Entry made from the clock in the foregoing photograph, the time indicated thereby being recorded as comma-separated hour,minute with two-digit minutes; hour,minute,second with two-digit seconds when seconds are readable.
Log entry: 6,08
